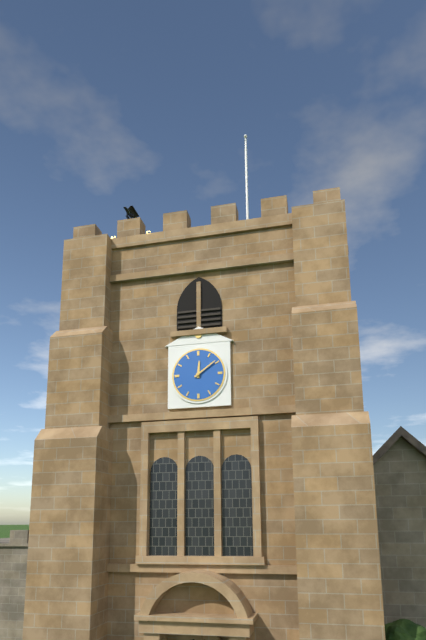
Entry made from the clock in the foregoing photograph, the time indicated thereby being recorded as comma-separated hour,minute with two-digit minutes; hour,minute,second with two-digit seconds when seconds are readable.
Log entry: 12,09
